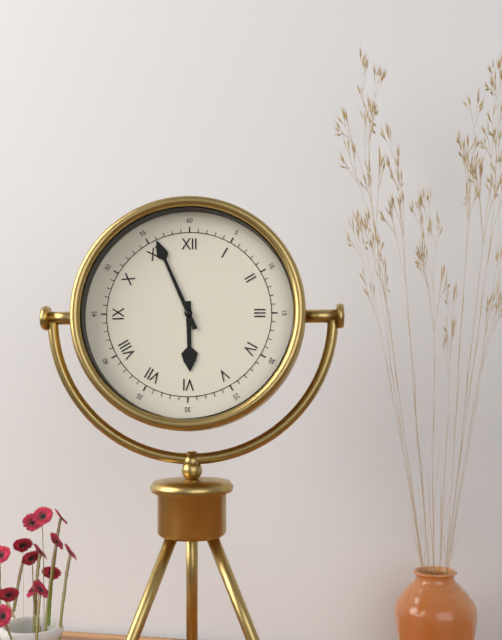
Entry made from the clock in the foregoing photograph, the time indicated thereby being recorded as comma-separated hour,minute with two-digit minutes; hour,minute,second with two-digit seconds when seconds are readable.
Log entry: 5,56
